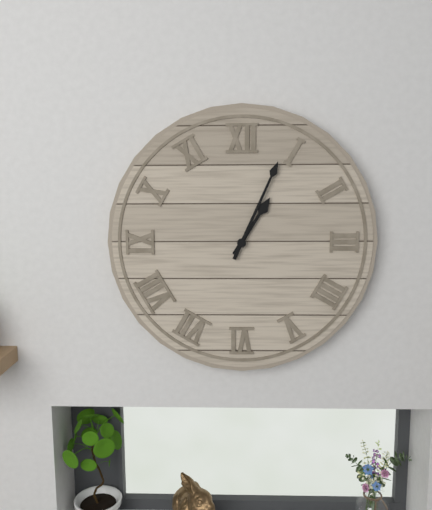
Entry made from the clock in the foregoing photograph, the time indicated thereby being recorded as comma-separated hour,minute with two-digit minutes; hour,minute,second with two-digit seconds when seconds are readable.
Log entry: 1,04
